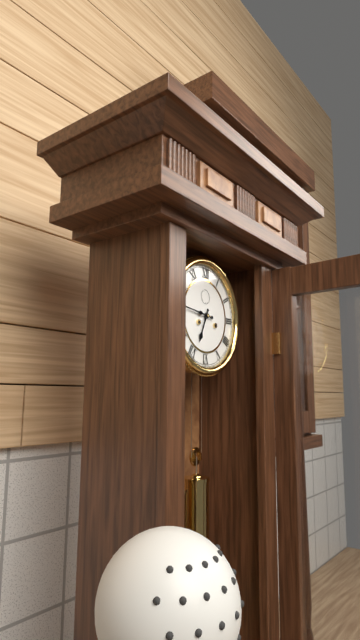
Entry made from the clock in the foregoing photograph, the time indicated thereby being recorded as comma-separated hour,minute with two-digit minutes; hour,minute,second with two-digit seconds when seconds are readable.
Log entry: 6,46
